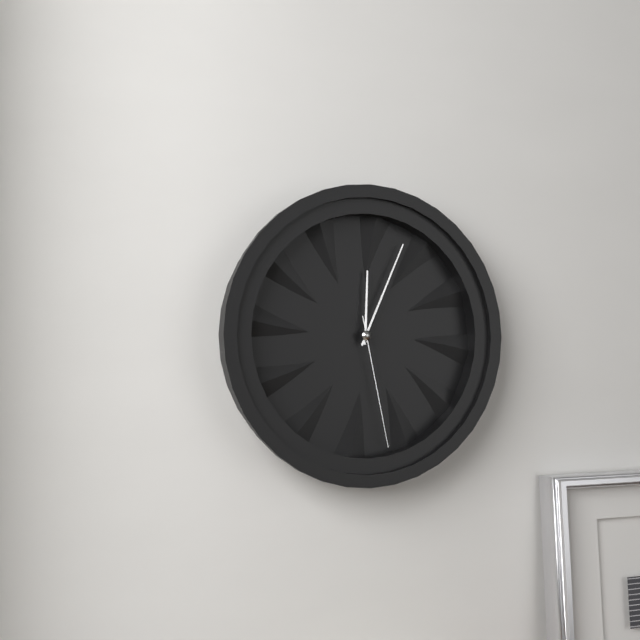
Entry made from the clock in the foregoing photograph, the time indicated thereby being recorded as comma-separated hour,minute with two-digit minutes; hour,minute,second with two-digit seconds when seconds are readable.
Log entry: 12,04,28
